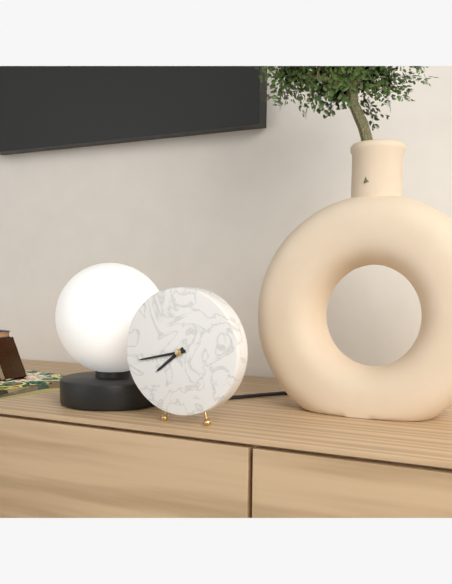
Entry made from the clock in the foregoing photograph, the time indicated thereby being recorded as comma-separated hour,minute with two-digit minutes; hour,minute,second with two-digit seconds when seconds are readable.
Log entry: 7,43
